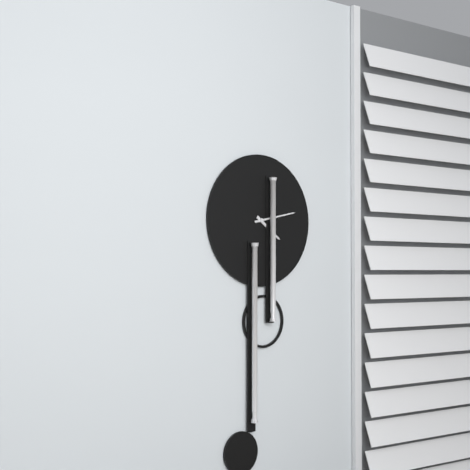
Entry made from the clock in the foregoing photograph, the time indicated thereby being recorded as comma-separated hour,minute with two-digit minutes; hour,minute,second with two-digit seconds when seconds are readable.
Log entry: 4,13
